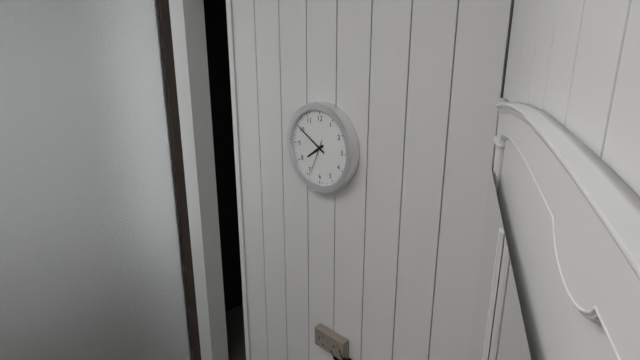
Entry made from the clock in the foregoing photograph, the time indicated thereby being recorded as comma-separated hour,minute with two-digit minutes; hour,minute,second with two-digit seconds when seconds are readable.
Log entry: 7,50
